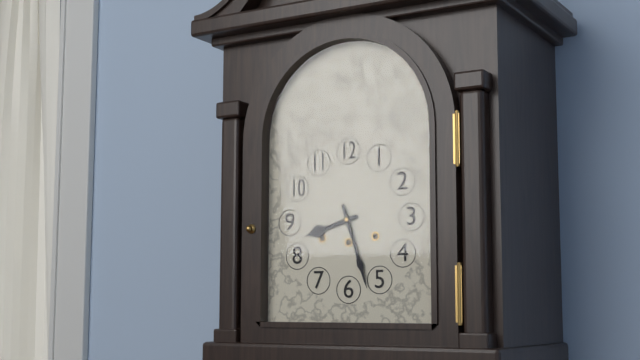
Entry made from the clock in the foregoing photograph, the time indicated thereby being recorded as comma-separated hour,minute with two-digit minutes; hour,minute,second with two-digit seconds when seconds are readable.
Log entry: 8,27
